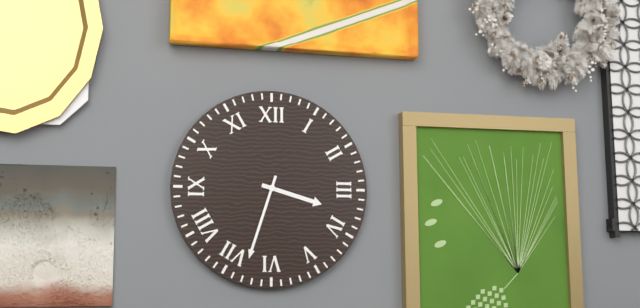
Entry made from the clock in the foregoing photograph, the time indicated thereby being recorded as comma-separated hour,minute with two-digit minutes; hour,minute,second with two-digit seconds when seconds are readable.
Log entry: 3,33
